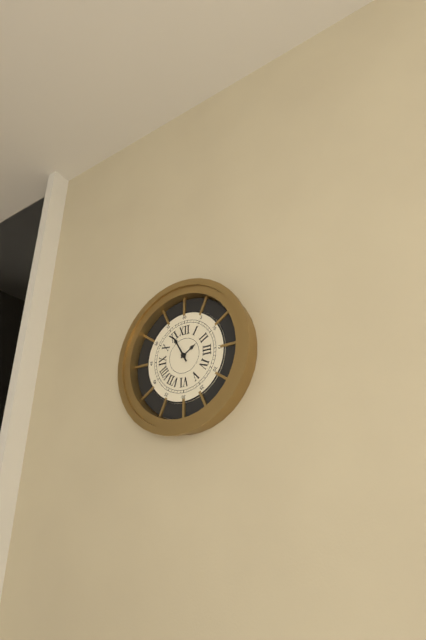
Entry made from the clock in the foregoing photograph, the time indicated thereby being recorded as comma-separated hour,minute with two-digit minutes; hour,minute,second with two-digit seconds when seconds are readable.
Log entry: 1,55
